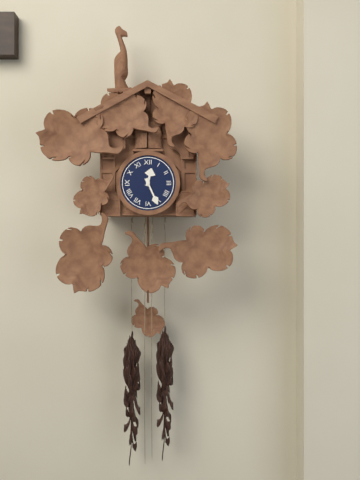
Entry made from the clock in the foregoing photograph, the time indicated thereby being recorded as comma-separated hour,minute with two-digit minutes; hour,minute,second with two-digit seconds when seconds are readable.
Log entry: 12,26
